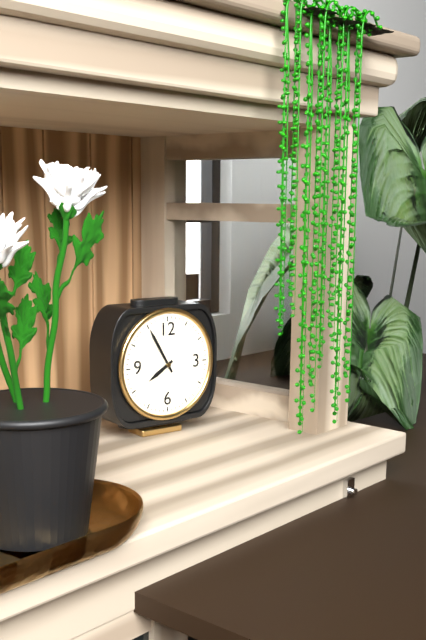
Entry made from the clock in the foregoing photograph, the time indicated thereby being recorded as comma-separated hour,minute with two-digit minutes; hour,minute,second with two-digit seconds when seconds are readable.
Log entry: 7,55
